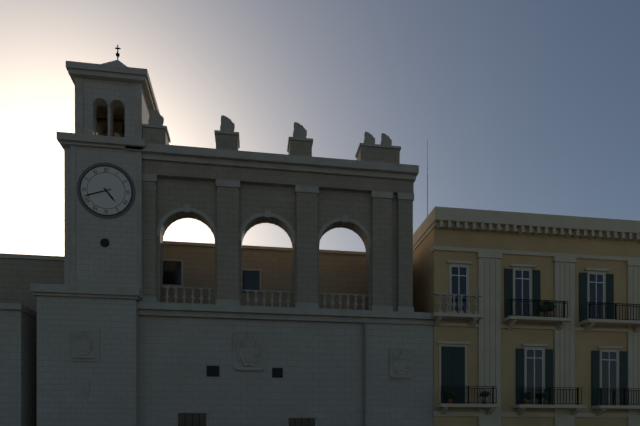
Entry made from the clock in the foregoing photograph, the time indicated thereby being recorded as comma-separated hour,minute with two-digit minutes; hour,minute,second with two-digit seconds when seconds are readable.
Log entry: 4,42
